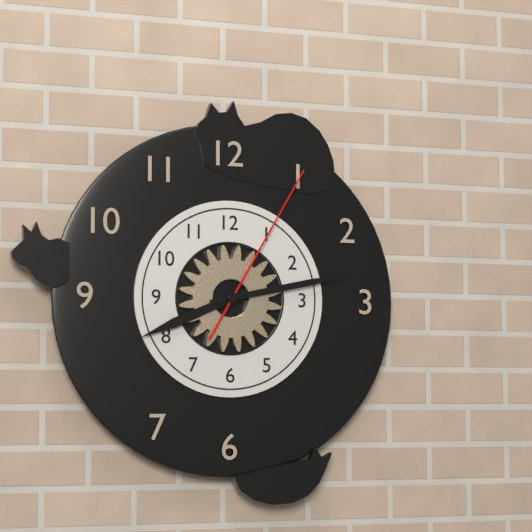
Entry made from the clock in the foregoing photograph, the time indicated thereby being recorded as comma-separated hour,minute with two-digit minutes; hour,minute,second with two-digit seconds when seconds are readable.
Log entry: 8,13,05
